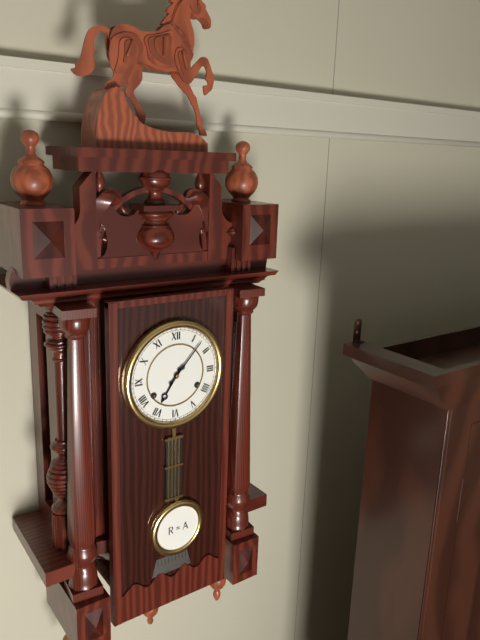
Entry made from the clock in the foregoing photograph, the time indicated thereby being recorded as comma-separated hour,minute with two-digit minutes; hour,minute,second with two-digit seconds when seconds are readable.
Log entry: 7,07
